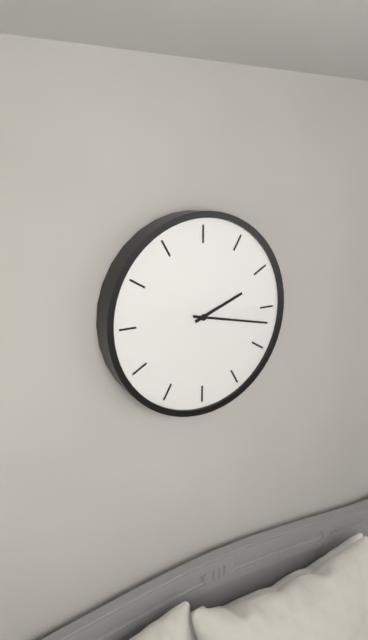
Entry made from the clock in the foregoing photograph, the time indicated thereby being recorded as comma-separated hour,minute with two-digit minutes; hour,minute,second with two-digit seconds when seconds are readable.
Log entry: 2,17
